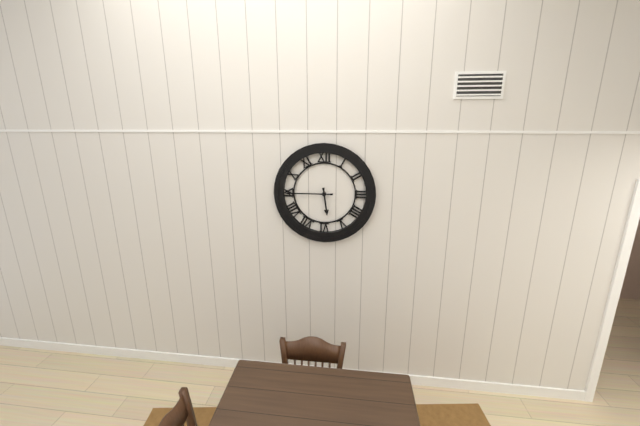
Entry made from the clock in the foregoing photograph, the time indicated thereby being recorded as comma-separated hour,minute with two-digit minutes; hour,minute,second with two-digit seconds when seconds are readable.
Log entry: 5,45
